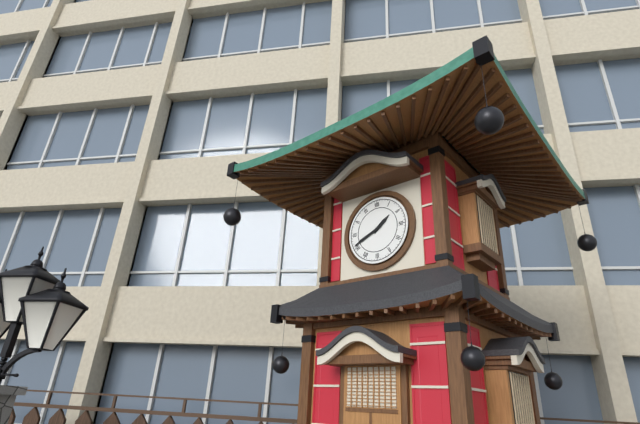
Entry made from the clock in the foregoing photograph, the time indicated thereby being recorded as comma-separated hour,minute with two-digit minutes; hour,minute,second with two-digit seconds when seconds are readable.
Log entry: 1,41
